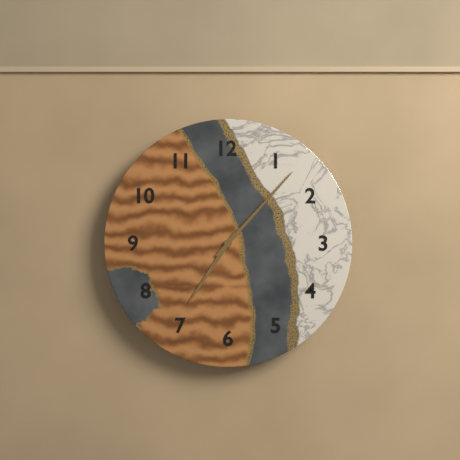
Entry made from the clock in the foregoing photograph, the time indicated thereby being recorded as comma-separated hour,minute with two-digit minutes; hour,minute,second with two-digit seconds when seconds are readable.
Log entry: 7,07
